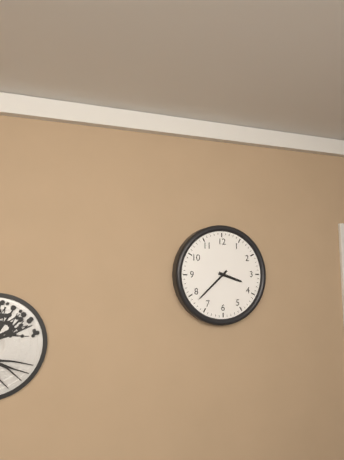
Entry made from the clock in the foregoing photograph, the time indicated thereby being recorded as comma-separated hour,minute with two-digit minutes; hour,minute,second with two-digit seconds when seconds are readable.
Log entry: 3,38
